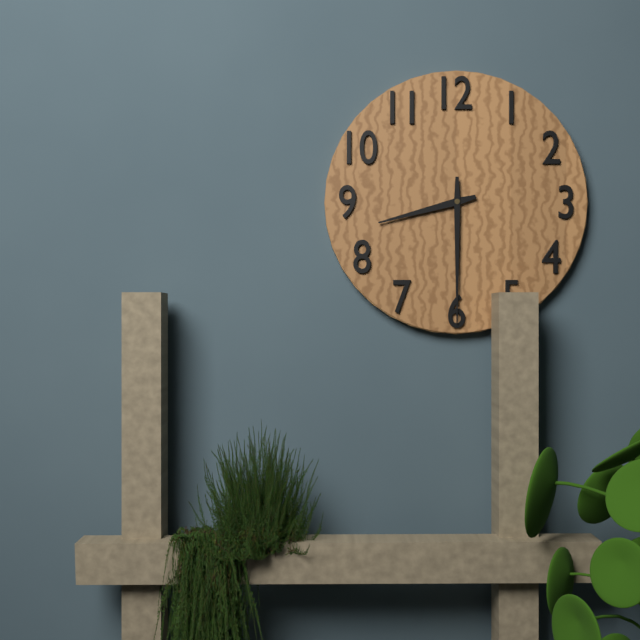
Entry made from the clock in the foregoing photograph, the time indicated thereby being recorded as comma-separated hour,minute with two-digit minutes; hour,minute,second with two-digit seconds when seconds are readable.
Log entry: 8,30
